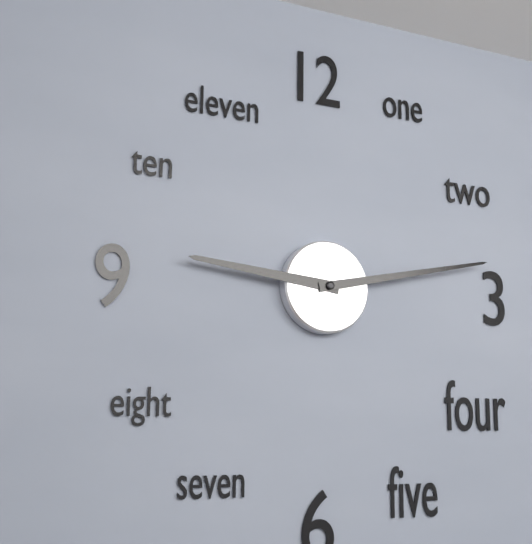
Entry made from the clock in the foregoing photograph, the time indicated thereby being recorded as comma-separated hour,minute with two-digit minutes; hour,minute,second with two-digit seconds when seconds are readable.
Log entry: 9,13
